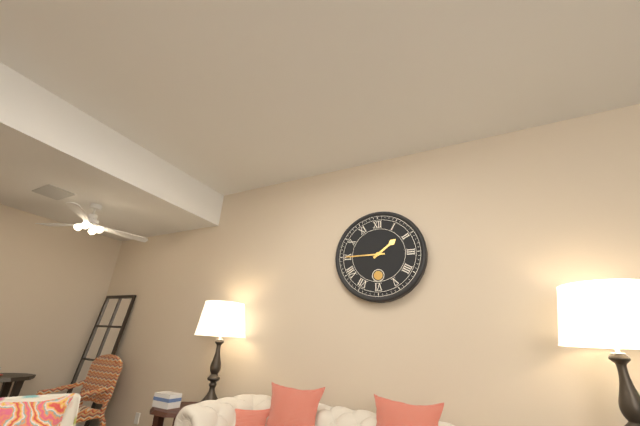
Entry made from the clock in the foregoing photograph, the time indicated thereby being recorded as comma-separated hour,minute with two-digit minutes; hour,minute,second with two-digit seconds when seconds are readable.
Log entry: 1,45
